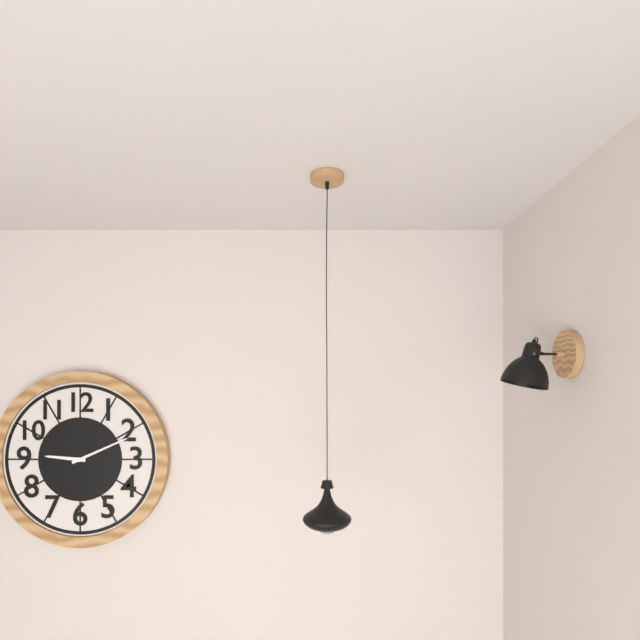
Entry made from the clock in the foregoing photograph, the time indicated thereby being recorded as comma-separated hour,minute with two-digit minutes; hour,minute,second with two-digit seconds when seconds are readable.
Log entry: 9,11
